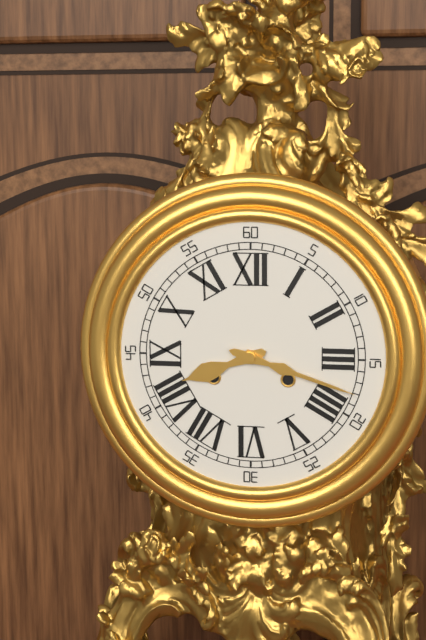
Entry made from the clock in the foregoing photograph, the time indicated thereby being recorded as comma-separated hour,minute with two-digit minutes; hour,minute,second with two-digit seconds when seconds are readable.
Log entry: 8,18
